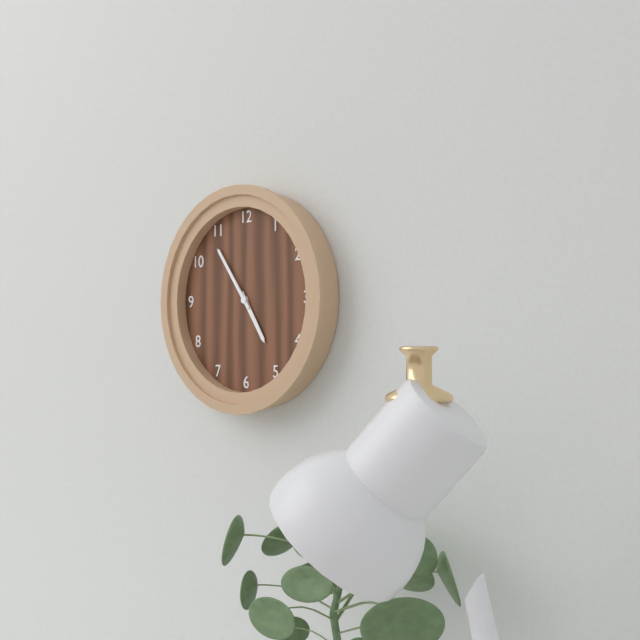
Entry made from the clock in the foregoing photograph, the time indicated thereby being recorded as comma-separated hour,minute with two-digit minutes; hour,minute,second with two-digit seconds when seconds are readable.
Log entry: 4,54
